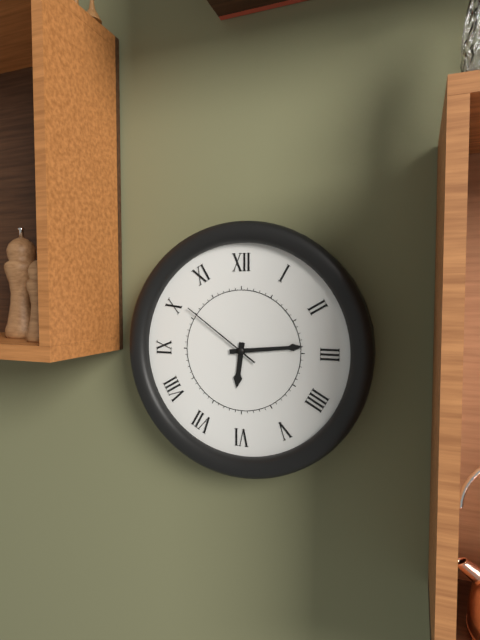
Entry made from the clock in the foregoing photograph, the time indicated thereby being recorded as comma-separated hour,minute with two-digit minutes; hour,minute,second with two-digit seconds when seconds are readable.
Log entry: 6,14,51
